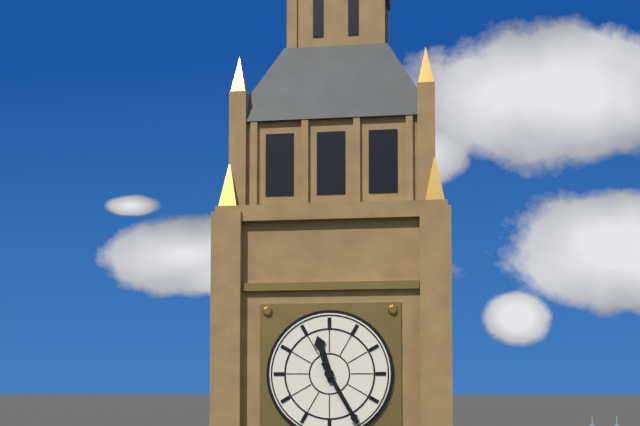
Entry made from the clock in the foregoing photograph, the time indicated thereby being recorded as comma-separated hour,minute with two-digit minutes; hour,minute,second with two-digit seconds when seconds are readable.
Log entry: 11,25
